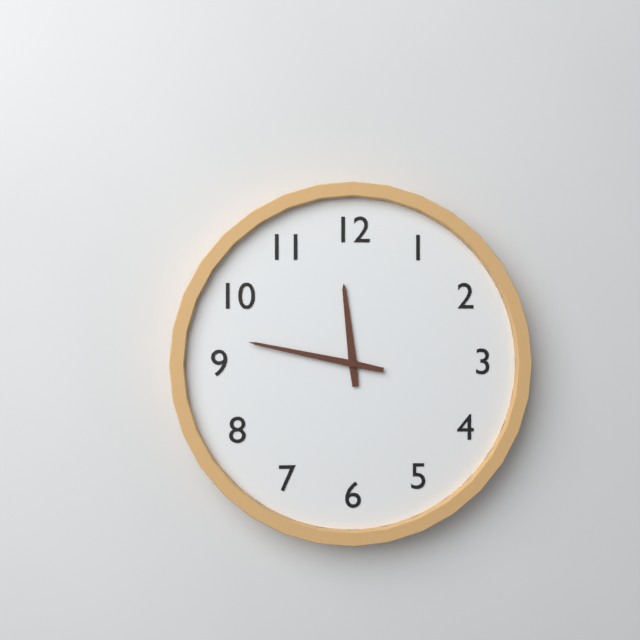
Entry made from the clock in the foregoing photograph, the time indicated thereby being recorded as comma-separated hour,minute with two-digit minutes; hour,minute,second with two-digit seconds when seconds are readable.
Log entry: 11,47
